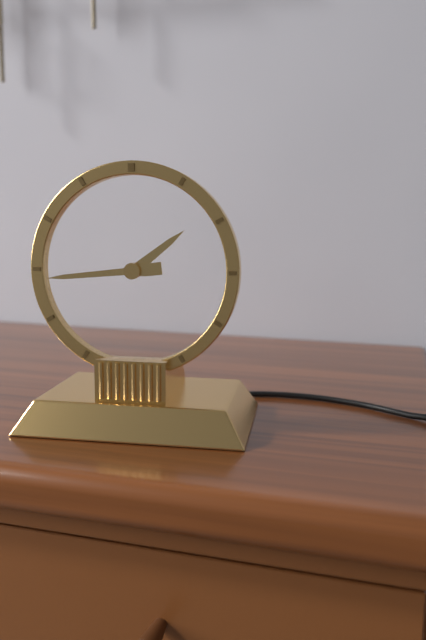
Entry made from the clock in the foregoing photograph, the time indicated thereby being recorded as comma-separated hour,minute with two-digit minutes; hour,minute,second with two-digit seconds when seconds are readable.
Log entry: 1,44
